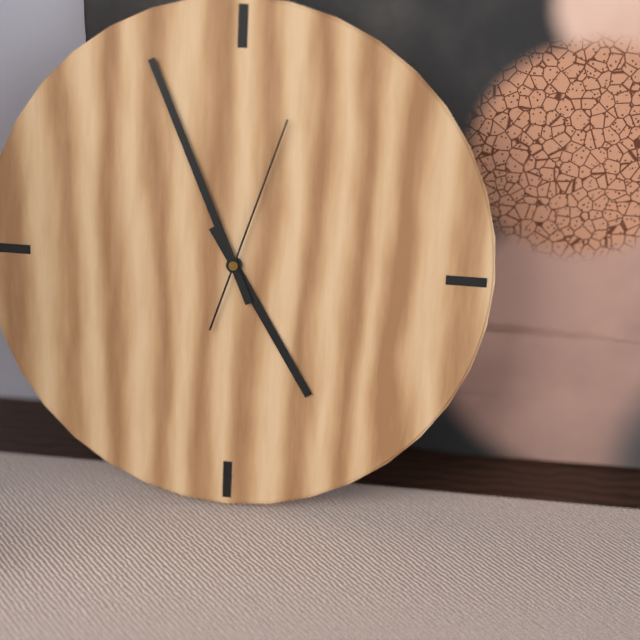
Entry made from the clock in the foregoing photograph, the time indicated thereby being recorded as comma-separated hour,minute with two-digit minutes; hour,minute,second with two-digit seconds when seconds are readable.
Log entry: 4,56,03
